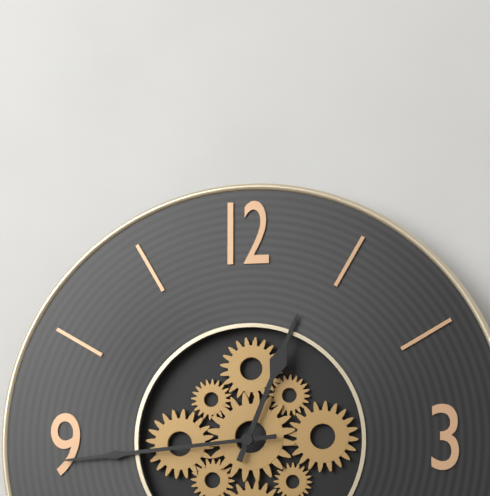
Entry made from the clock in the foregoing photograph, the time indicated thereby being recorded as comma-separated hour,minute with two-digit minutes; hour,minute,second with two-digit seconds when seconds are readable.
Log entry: 12,44
